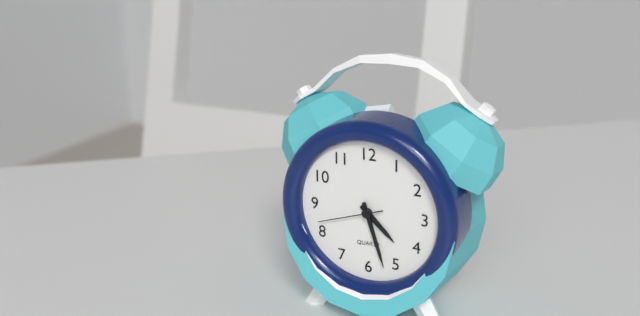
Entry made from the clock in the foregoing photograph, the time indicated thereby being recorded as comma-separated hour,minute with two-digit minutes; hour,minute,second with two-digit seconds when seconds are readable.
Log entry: 4,27,42
